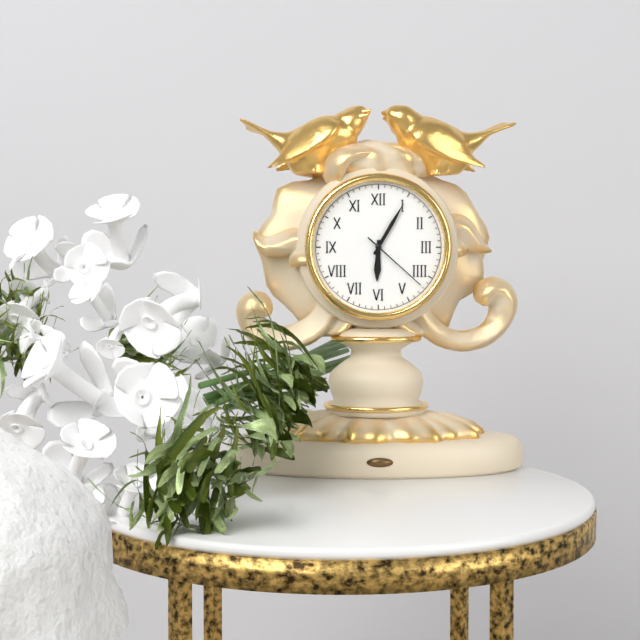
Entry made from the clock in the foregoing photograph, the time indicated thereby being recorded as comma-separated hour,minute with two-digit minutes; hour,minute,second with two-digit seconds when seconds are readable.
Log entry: 6,05,22
